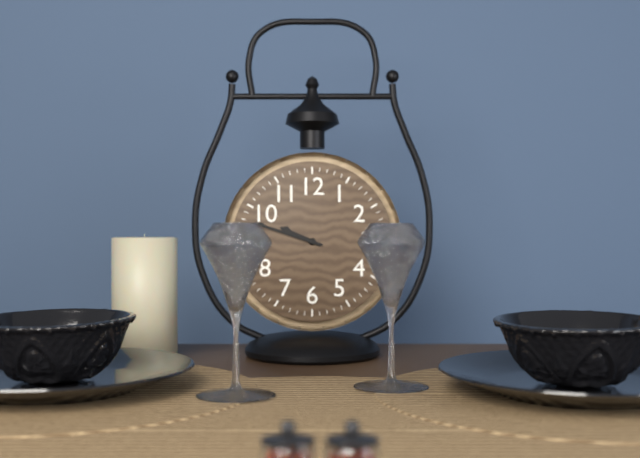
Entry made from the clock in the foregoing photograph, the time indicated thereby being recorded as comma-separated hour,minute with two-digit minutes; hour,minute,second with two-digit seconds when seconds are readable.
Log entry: 9,48
